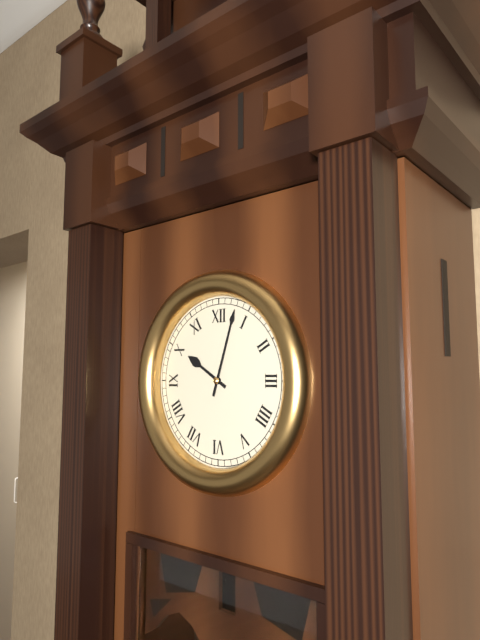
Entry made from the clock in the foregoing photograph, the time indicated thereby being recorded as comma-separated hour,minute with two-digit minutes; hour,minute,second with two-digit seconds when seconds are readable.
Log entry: 10,03
